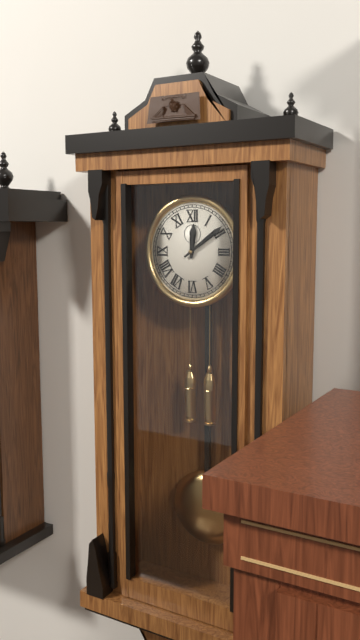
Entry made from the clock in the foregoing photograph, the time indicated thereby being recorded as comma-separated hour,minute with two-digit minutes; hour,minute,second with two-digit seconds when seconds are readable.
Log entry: 12,09
